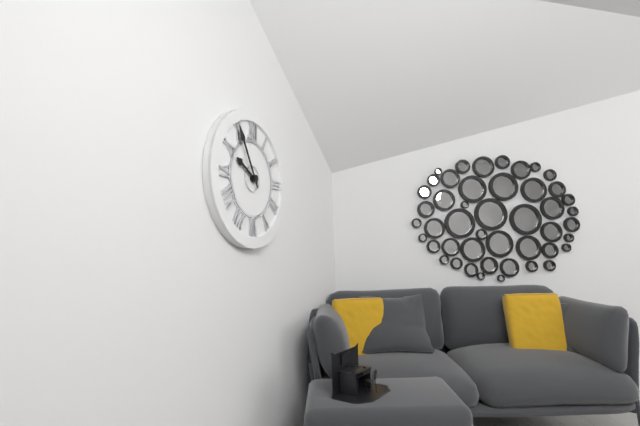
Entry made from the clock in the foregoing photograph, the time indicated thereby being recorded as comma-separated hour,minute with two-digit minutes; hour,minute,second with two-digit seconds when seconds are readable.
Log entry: 9,55
